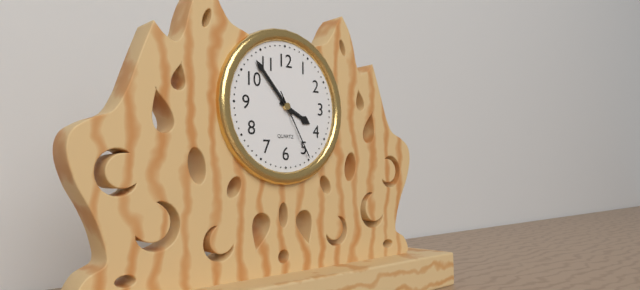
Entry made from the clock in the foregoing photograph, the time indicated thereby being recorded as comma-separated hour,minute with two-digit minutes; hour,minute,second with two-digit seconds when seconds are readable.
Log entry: 3,53,25
